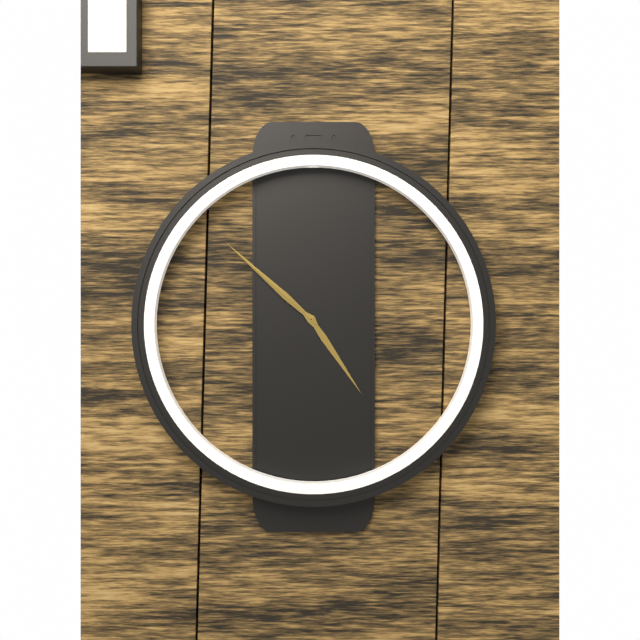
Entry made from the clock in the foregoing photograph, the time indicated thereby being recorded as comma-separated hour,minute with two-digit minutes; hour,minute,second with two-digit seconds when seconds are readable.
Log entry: 4,52
